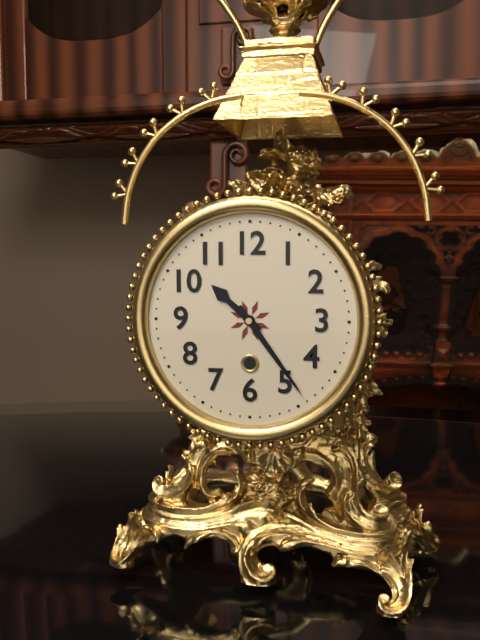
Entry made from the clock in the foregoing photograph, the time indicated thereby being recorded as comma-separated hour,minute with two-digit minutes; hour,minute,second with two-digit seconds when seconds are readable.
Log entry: 10,24
